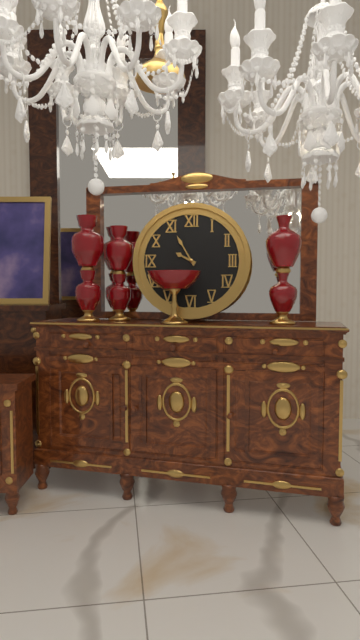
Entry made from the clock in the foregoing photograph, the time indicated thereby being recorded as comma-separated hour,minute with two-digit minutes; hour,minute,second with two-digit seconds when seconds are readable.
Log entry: 9,55
